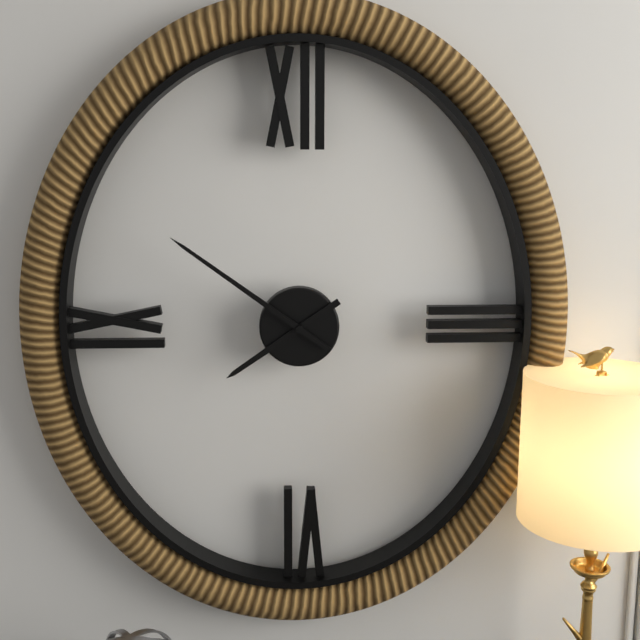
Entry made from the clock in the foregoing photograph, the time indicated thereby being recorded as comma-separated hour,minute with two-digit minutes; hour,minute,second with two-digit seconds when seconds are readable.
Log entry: 7,51
